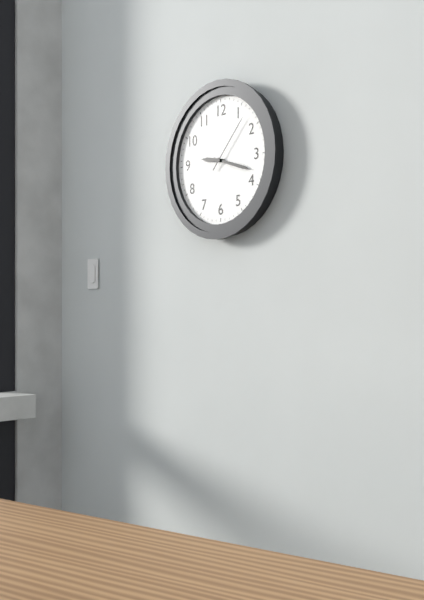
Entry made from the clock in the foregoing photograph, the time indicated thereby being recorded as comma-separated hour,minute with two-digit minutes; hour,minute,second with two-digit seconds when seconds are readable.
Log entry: 9,18,07
